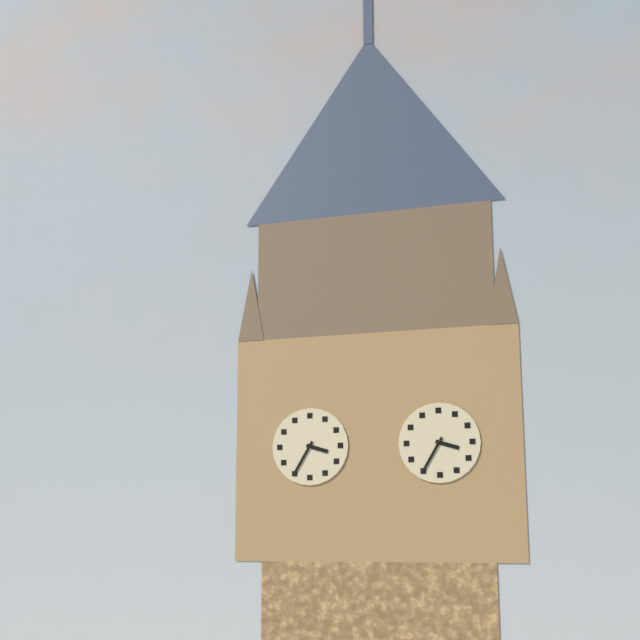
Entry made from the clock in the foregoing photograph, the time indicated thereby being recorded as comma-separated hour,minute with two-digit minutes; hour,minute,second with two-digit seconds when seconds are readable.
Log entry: 3,35
